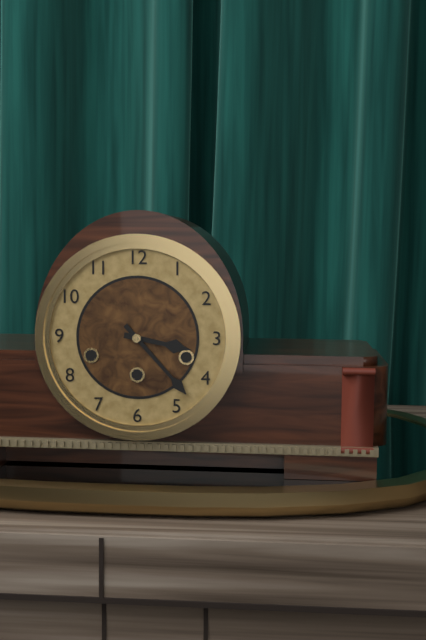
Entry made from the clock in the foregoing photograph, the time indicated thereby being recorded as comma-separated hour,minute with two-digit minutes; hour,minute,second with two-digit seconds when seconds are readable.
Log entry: 3,23
